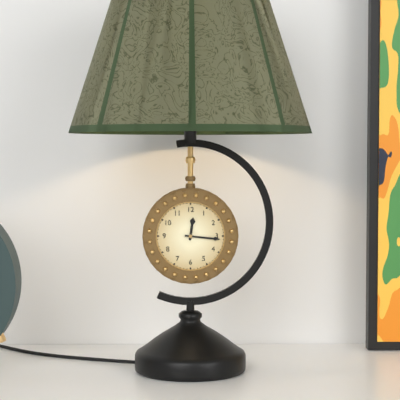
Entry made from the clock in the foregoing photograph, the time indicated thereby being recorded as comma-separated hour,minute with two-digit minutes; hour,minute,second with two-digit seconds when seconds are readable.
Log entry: 12,16
